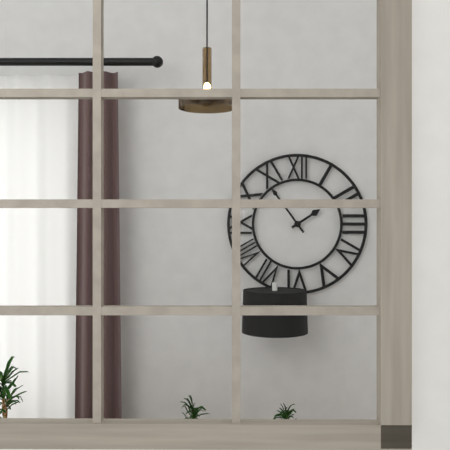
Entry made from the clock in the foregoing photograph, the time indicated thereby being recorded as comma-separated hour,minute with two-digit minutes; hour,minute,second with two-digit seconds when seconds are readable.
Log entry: 1,54
